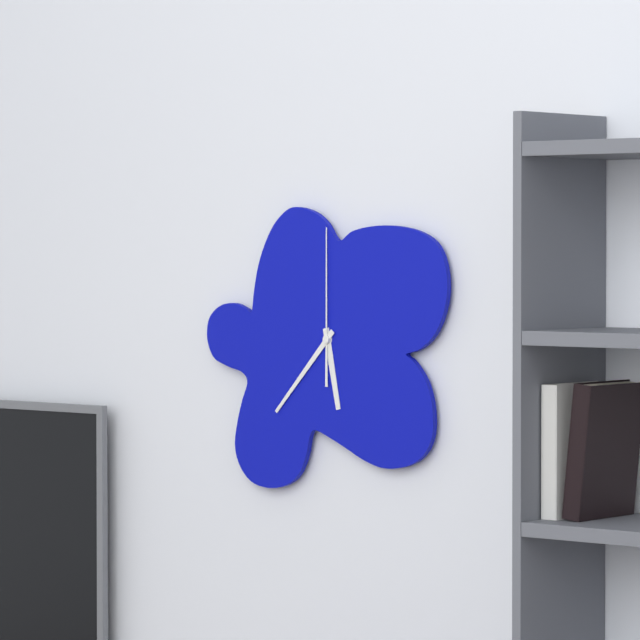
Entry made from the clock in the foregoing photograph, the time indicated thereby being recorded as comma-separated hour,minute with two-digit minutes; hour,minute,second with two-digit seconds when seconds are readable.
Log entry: 5,37,00
